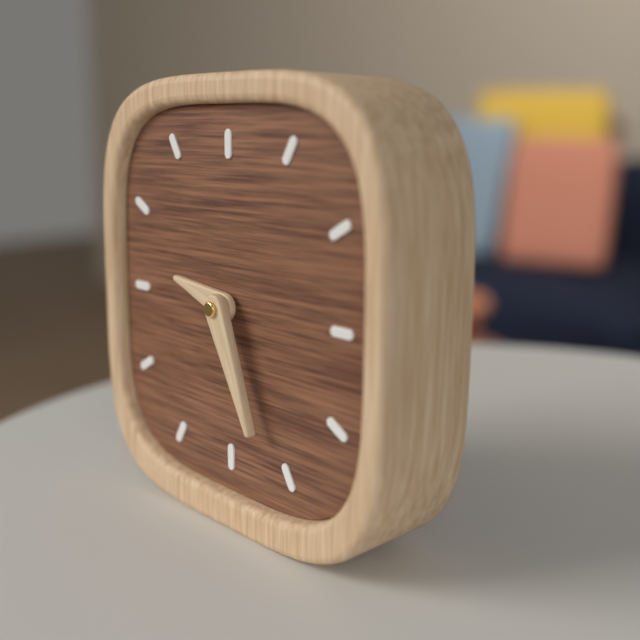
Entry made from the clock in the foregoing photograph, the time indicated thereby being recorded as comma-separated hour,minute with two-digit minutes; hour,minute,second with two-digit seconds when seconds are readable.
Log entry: 9,26
